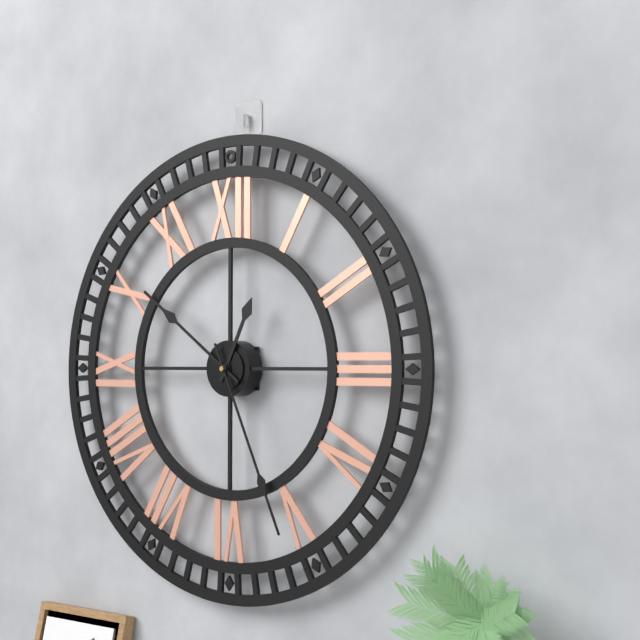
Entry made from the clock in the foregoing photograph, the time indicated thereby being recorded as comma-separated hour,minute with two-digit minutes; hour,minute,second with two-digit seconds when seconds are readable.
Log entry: 12,51,26
